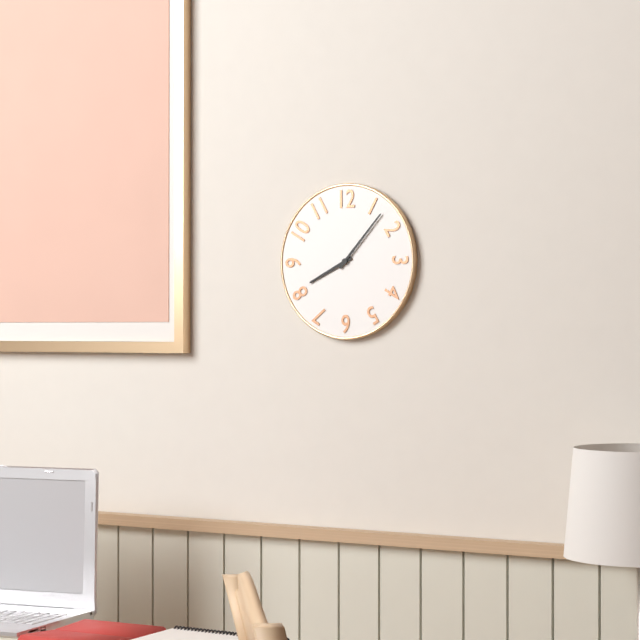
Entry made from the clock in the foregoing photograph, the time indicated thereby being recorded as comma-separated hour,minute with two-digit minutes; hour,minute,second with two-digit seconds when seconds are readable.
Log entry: 8,07
